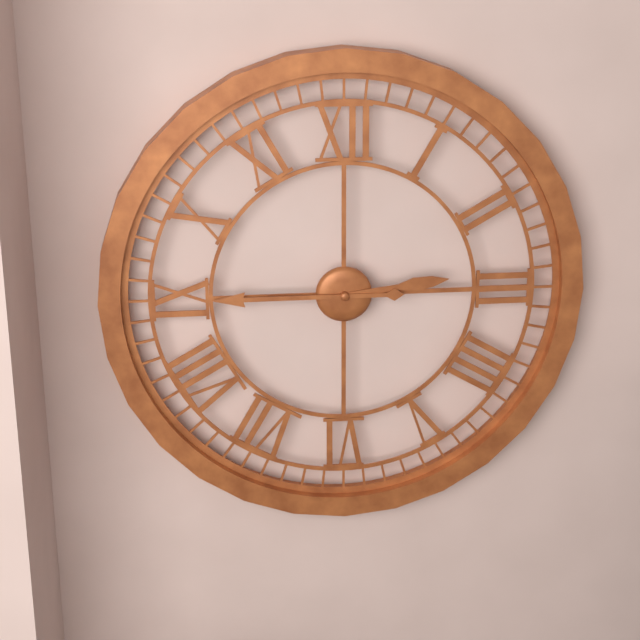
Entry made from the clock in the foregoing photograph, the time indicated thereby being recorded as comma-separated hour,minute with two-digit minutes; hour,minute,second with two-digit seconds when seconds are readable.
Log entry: 2,45
